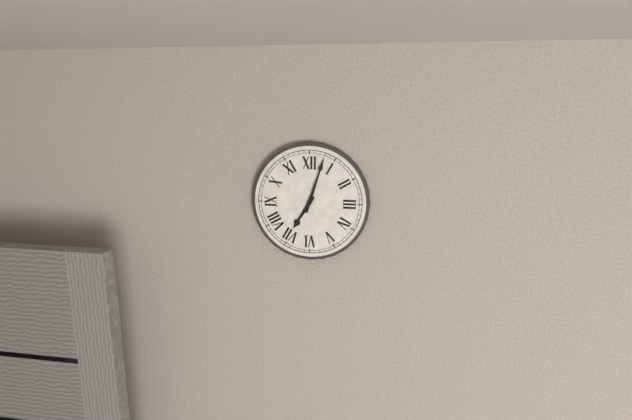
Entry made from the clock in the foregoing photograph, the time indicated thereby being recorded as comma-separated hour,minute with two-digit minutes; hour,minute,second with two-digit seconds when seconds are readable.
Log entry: 7,03
